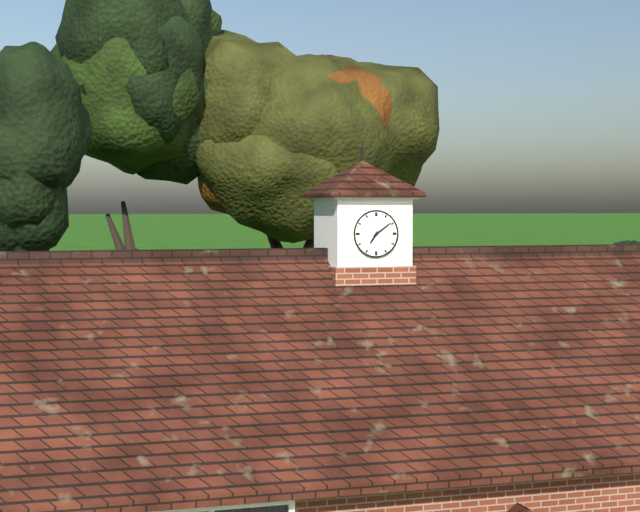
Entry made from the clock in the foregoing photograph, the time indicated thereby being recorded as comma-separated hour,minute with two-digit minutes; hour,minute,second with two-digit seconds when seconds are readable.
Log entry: 7,09
